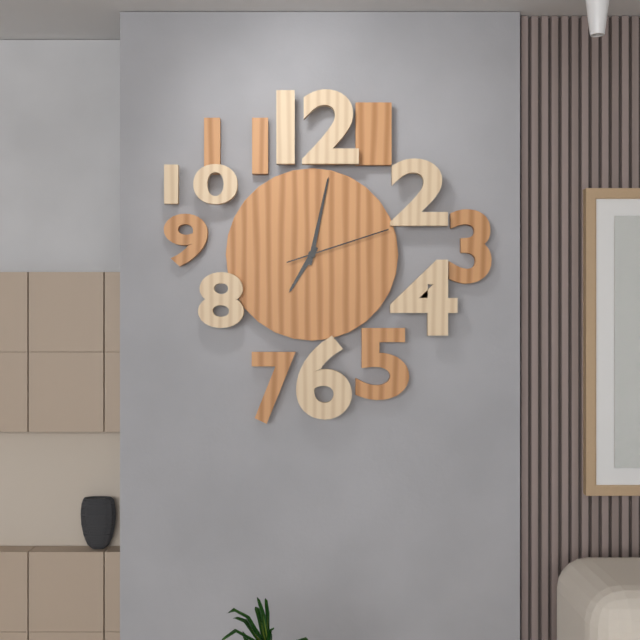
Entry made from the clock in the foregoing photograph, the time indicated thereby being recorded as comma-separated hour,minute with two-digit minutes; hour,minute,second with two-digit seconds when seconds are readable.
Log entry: 7,02,12
